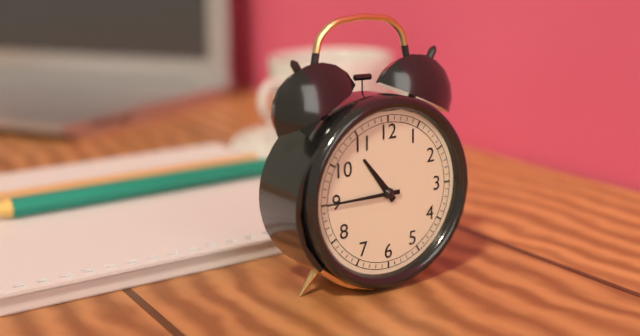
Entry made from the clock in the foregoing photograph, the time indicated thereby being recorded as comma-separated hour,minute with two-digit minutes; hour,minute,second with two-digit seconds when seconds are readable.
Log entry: 10,45
